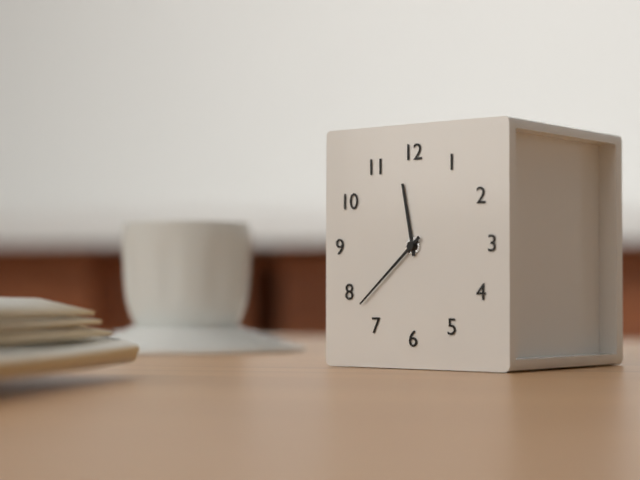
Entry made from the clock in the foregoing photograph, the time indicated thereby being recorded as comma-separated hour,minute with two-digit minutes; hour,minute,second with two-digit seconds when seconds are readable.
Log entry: 11,38
